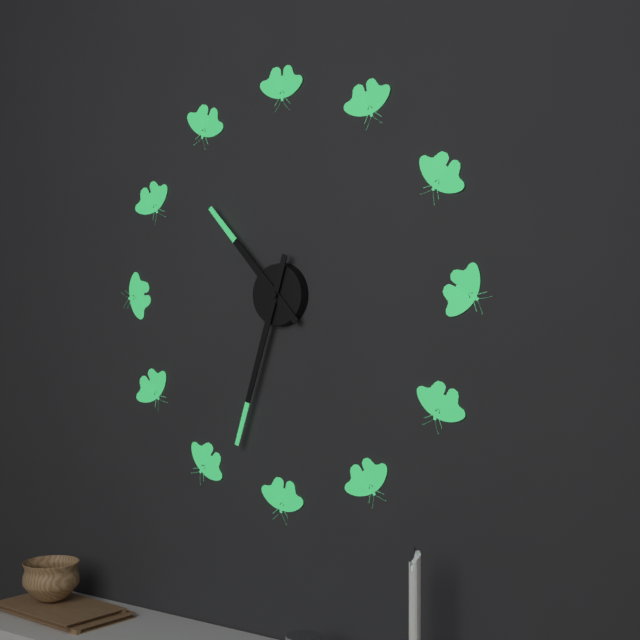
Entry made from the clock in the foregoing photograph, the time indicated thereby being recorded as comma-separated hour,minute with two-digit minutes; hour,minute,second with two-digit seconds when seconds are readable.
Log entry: 10,33
